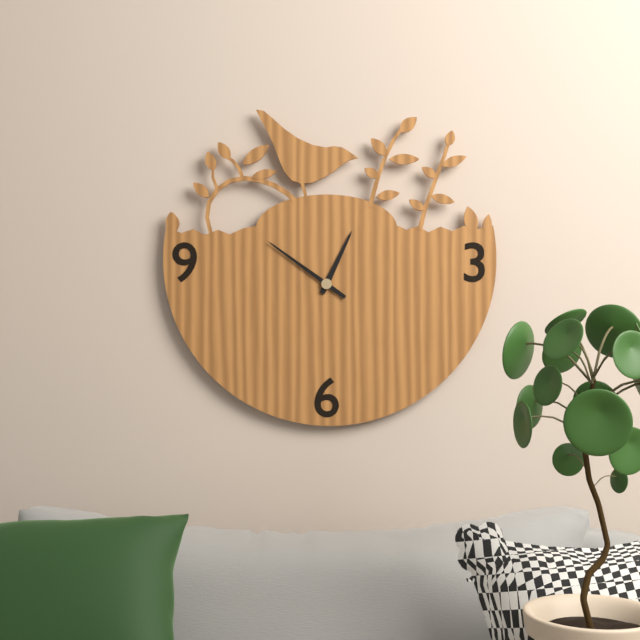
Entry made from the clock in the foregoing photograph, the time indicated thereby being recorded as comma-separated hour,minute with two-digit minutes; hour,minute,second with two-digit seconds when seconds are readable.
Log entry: 12,51
